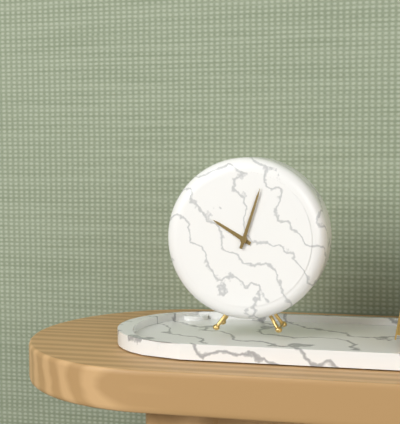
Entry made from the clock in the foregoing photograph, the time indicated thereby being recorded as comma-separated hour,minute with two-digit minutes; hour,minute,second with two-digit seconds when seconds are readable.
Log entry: 10,03
